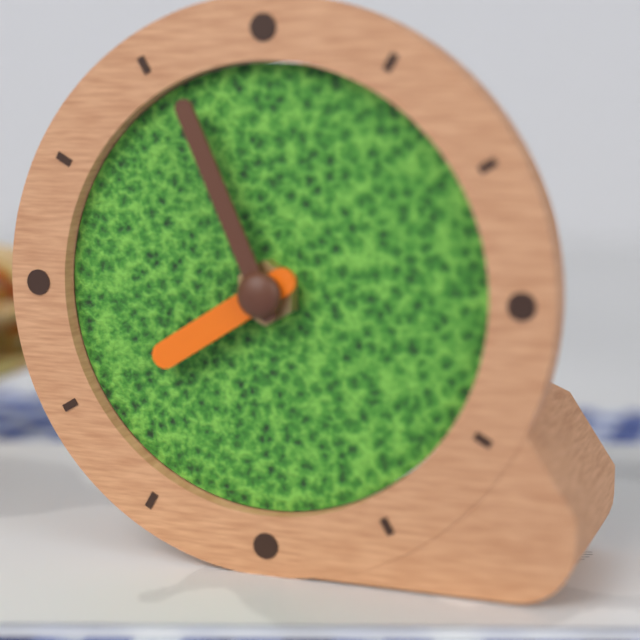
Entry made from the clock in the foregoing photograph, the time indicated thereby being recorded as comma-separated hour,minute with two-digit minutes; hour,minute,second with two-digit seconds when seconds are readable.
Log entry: 7,56
